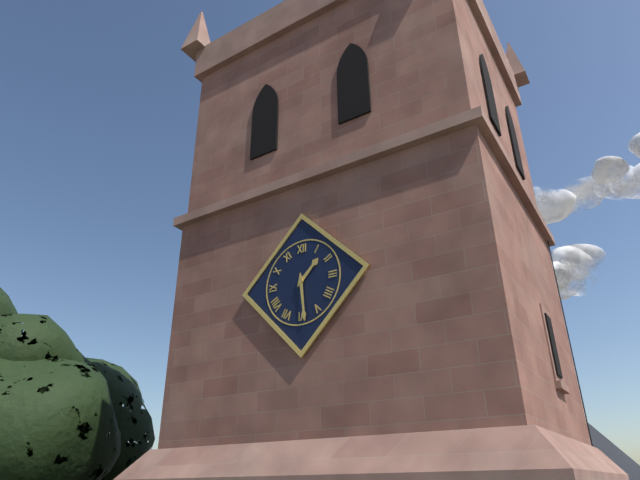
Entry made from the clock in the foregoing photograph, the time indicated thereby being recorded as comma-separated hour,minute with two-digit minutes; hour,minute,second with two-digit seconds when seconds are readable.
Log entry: 1,29
